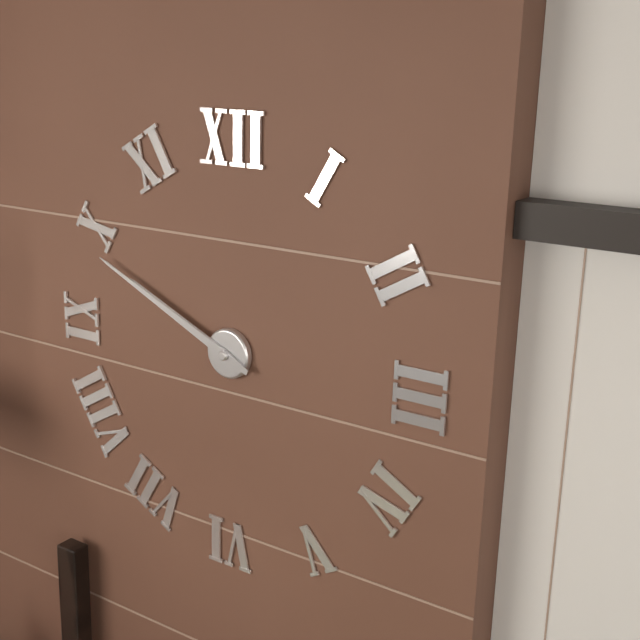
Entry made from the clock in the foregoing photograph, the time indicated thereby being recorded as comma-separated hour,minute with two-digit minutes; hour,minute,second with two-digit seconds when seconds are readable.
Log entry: 9,49
